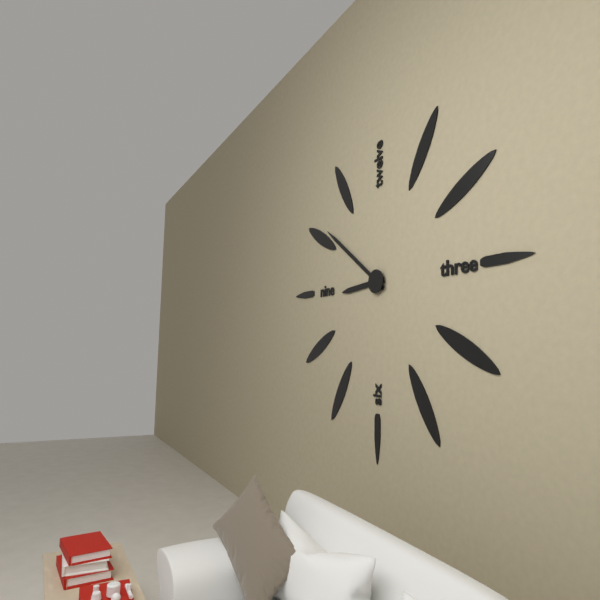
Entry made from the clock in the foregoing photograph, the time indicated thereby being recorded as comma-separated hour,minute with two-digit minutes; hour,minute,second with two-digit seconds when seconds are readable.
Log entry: 8,51
